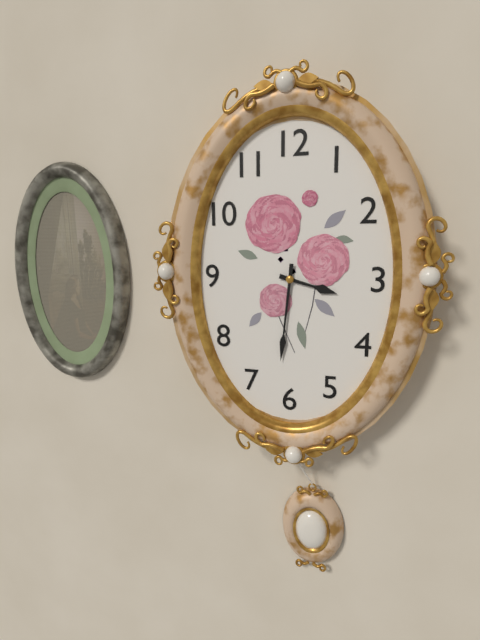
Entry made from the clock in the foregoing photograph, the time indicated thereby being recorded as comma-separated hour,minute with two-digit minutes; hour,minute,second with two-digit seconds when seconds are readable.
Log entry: 3,31
